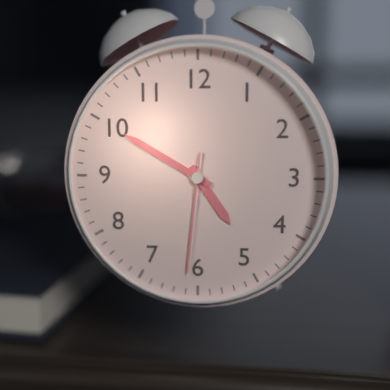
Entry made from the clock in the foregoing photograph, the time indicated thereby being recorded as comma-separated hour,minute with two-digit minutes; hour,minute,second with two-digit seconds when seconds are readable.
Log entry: 4,50,31
